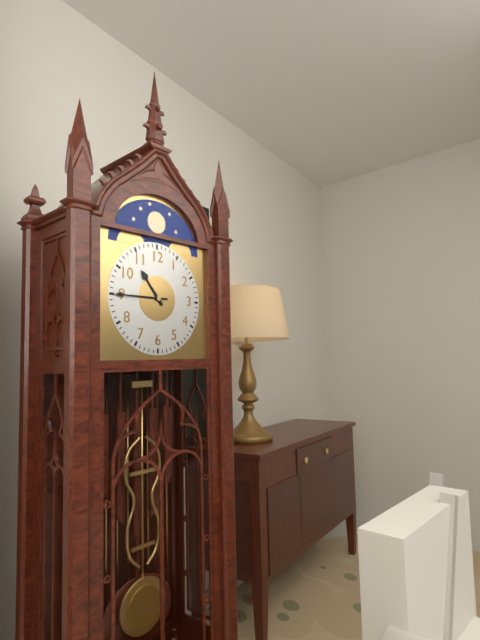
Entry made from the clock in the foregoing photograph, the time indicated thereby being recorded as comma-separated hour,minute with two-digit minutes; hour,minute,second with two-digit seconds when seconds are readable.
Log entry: 10,45
